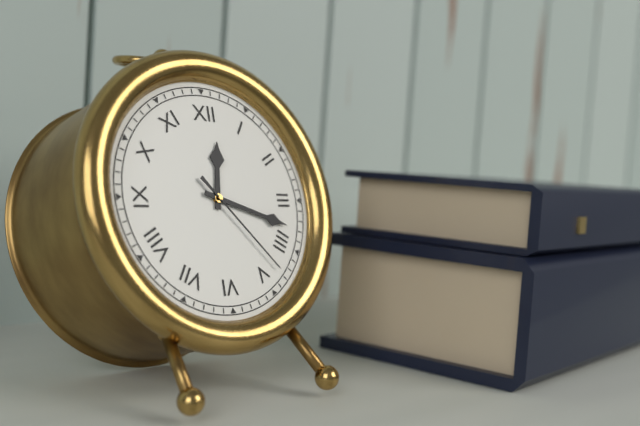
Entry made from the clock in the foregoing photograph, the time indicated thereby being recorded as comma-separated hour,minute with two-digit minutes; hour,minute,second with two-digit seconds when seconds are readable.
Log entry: 12,18,23
